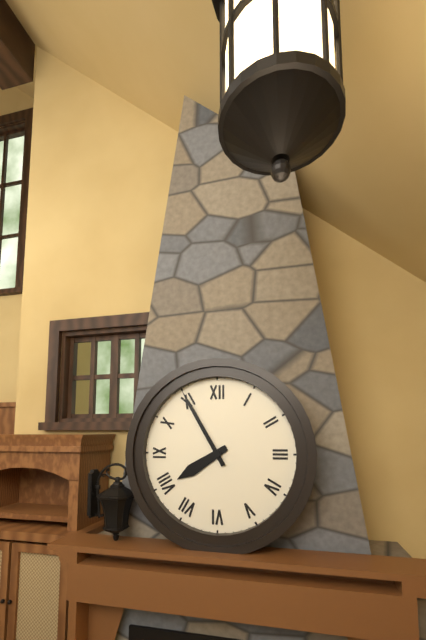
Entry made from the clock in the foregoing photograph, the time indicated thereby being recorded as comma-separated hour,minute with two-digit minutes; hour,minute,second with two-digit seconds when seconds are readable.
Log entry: 7,55
